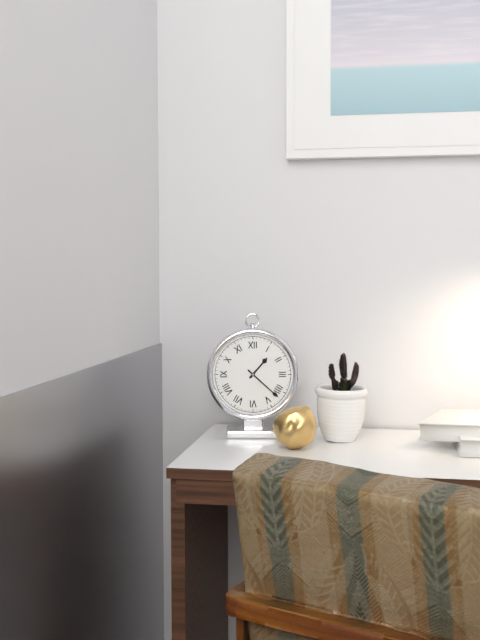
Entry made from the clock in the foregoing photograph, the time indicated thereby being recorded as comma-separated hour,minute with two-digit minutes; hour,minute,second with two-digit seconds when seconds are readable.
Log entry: 1,22
